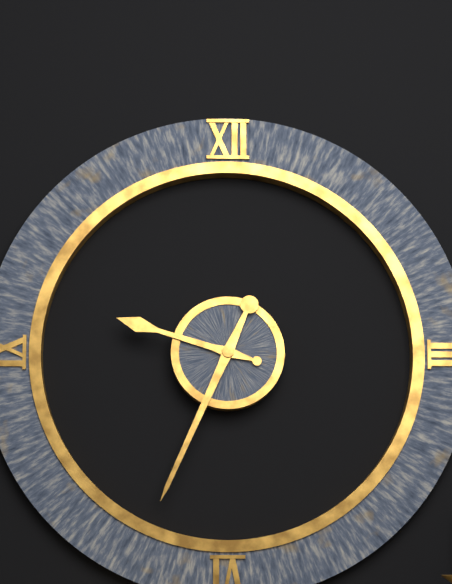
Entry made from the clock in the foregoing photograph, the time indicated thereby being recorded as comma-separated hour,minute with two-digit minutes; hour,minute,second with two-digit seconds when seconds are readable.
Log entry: 9,34
